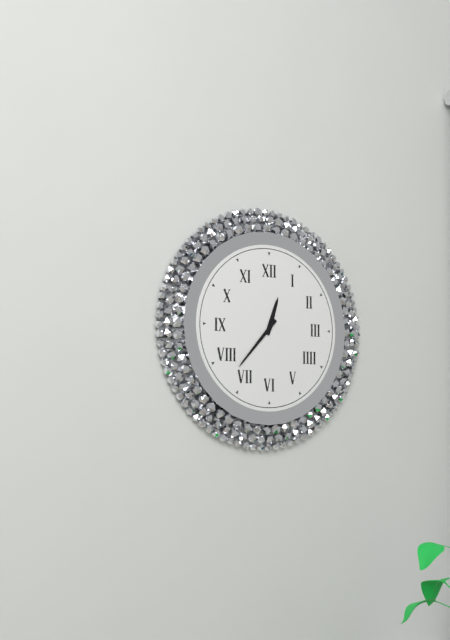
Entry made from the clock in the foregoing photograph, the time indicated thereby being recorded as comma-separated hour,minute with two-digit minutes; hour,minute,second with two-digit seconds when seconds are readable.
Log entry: 12,37
